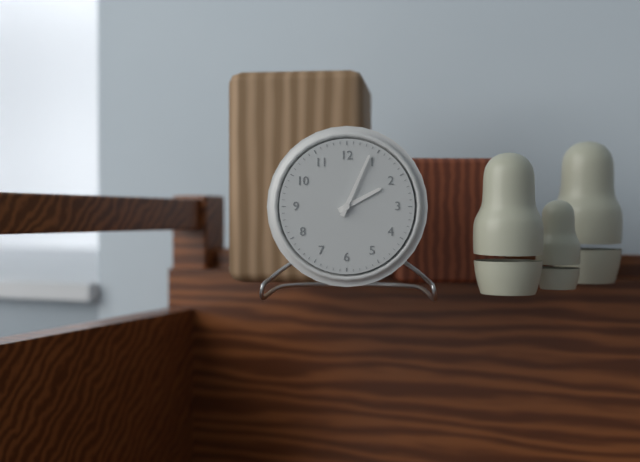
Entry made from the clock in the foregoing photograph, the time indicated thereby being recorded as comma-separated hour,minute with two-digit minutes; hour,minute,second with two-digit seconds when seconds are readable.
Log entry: 2,04
